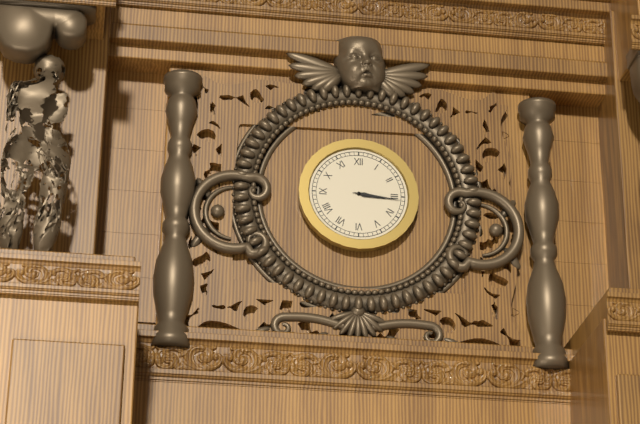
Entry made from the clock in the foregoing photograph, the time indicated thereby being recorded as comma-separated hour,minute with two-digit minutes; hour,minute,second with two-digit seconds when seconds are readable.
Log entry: 3,16
